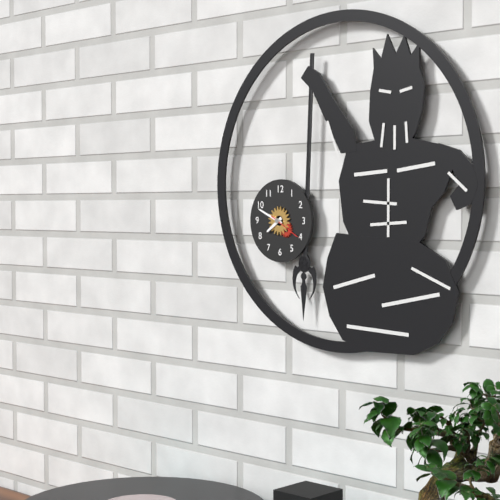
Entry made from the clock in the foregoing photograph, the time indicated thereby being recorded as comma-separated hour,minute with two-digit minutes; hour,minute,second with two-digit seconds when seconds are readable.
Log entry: 7,49
